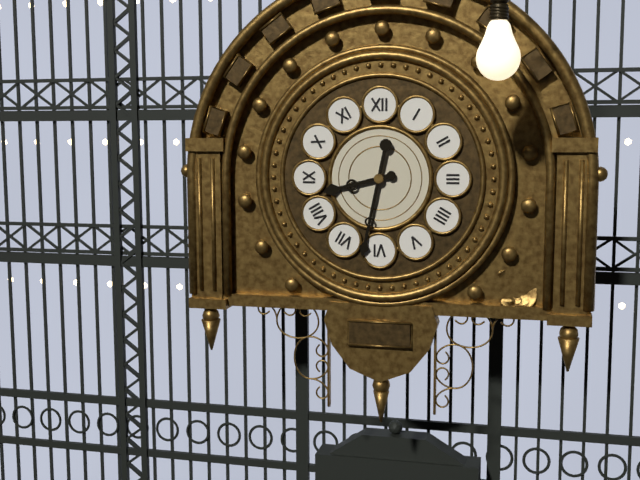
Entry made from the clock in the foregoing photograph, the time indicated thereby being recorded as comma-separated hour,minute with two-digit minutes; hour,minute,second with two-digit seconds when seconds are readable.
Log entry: 8,32
